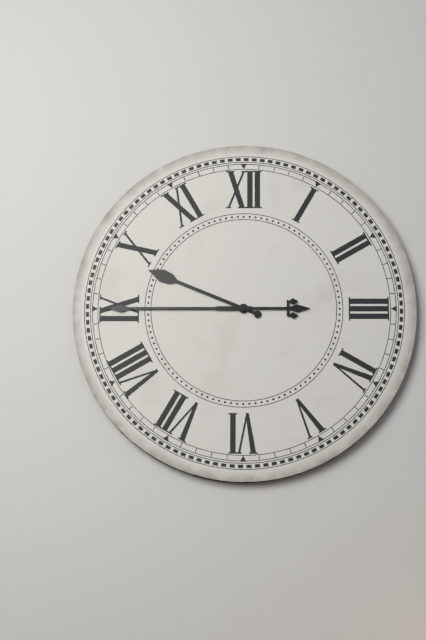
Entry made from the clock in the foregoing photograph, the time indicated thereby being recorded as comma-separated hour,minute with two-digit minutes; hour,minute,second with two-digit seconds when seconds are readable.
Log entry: 9,45
